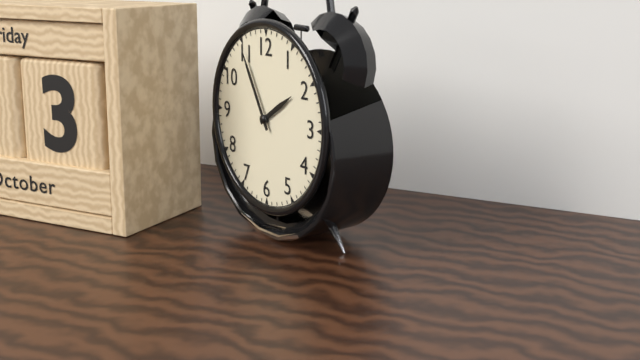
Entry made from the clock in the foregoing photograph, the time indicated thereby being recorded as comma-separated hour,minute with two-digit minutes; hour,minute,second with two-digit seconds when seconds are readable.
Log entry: 1,55
